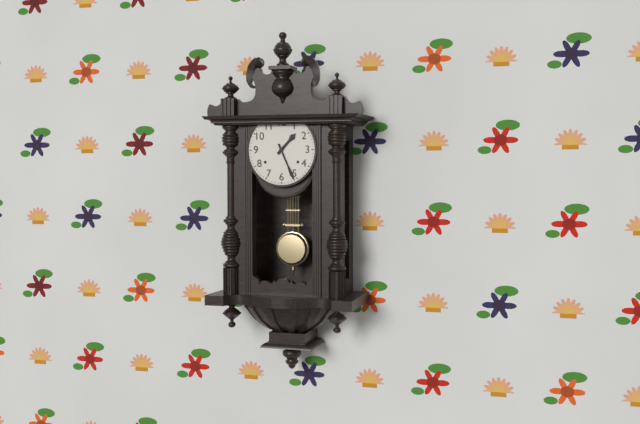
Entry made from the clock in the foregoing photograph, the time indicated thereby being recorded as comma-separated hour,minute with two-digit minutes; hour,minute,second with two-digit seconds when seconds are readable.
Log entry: 1,26
